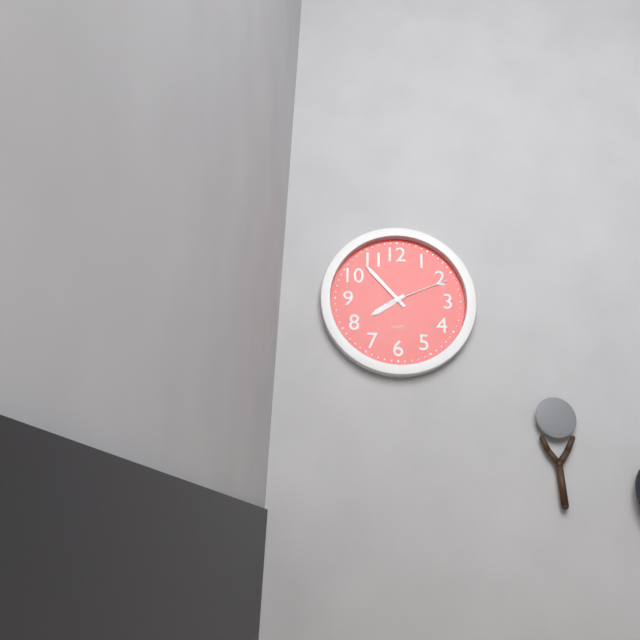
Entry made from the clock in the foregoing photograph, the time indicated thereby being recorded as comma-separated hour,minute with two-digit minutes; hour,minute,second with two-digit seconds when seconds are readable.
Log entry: 7,53,11
